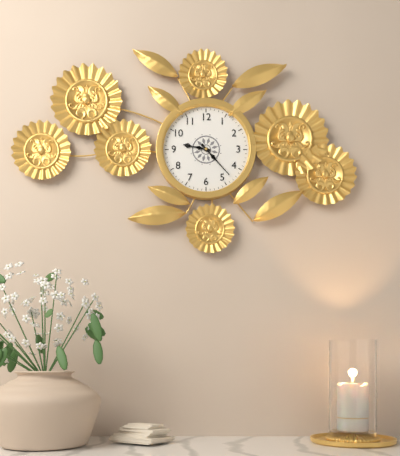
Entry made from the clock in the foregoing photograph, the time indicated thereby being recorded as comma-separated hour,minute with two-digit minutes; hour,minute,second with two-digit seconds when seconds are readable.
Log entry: 9,23
